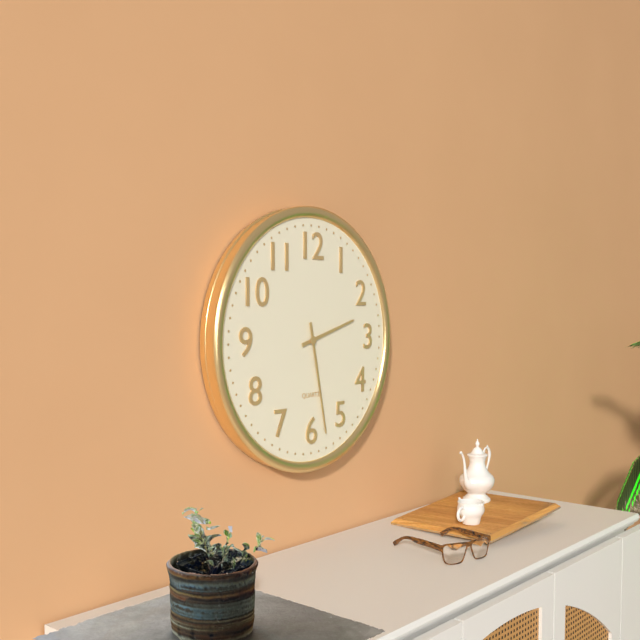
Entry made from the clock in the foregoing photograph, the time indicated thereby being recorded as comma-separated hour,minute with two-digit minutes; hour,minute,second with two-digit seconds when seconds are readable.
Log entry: 2,28
